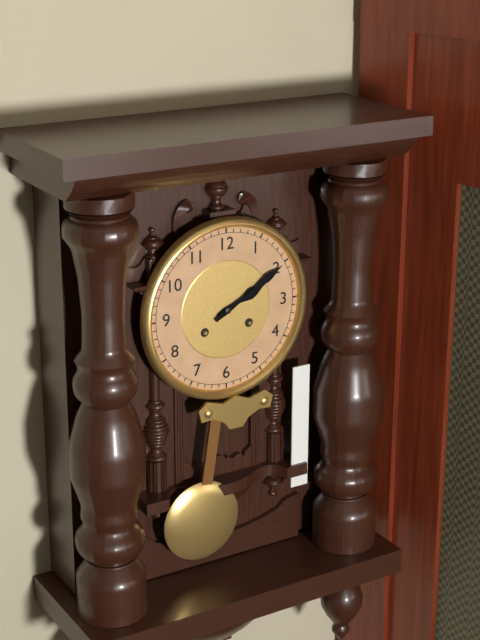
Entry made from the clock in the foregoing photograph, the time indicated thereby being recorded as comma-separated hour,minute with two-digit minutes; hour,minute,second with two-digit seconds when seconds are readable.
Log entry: 2,10
